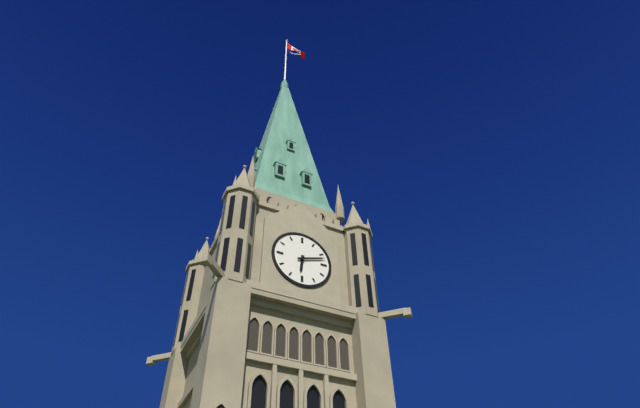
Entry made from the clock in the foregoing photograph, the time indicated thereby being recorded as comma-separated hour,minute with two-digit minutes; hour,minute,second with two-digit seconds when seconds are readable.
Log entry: 6,12
